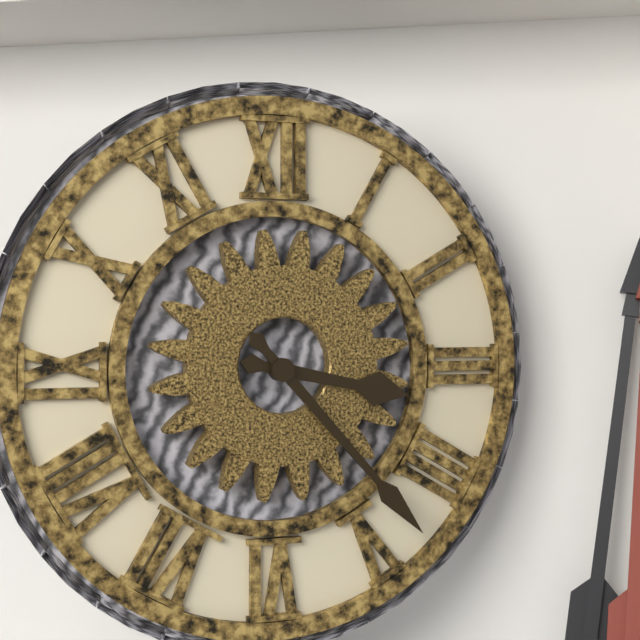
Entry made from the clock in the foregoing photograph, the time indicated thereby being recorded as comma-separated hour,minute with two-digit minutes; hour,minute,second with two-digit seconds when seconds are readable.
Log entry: 3,23
